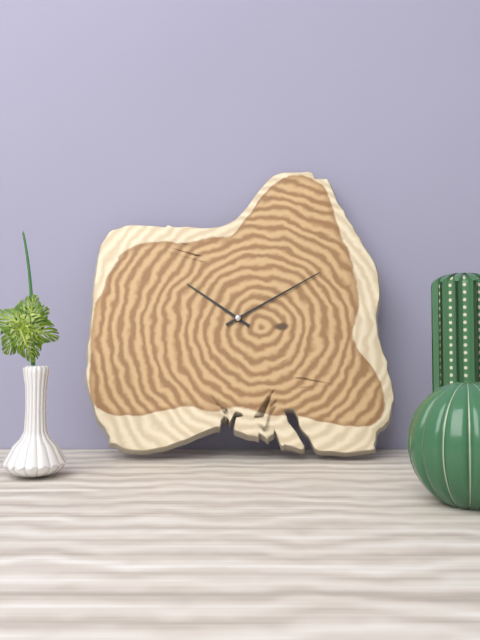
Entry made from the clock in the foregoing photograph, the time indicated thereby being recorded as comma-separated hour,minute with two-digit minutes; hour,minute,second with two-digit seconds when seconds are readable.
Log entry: 10,10
